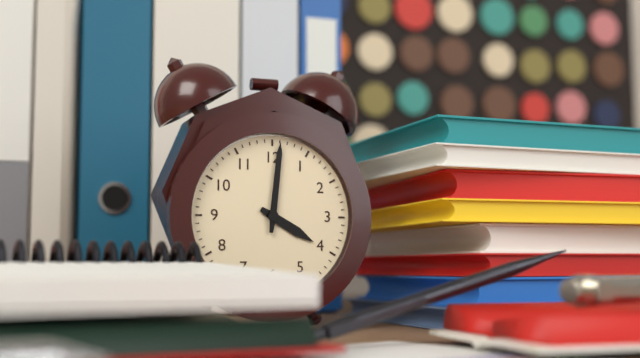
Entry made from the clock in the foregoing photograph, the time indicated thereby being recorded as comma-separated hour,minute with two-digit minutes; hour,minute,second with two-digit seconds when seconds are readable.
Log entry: 4,01
